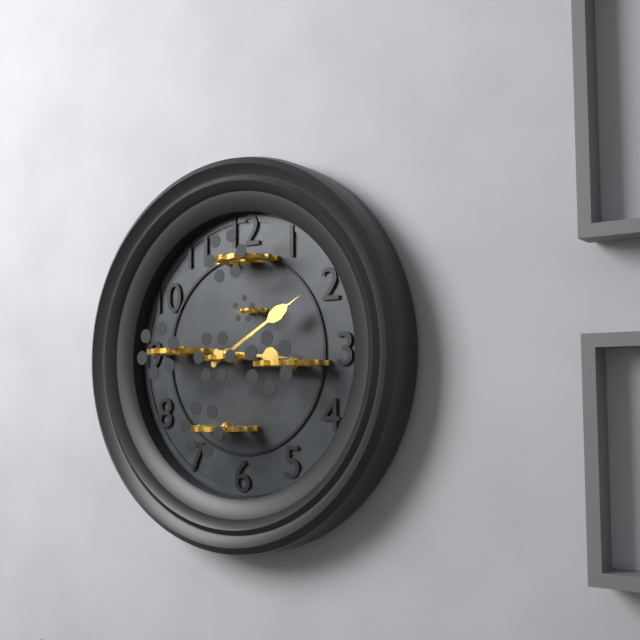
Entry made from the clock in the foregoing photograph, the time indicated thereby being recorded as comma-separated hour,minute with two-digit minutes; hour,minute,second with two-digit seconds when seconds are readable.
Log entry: 3,10
